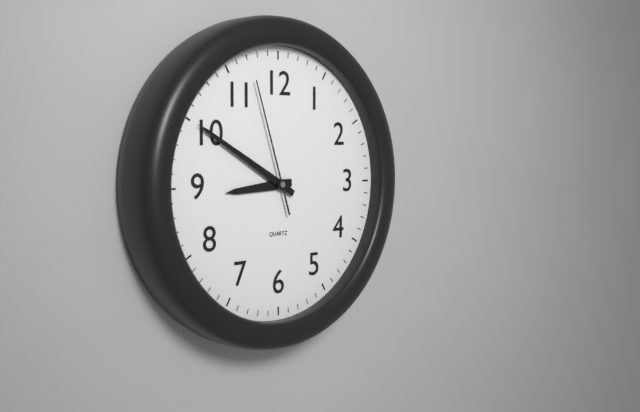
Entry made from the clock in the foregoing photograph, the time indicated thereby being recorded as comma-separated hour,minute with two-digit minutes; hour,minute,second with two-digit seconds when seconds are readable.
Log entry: 8,50,57
